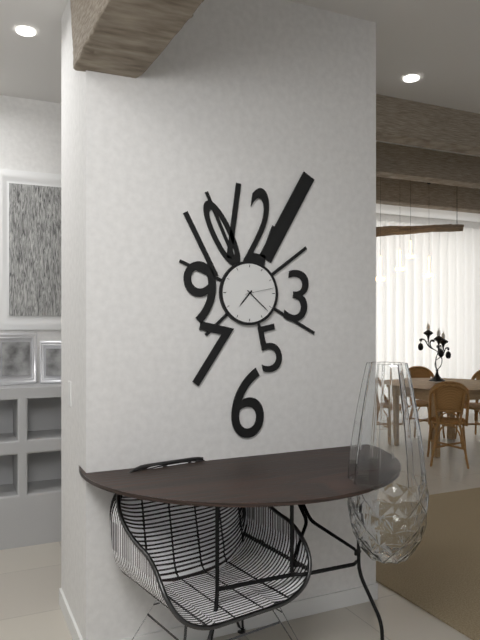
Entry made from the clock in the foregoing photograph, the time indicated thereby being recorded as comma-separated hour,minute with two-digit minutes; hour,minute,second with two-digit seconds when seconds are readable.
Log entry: 7,22
